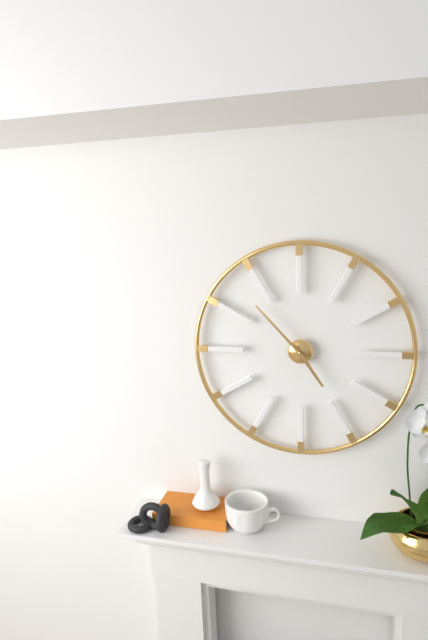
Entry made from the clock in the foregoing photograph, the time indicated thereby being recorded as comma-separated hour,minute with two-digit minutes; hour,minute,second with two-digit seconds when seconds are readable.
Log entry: 4,53
